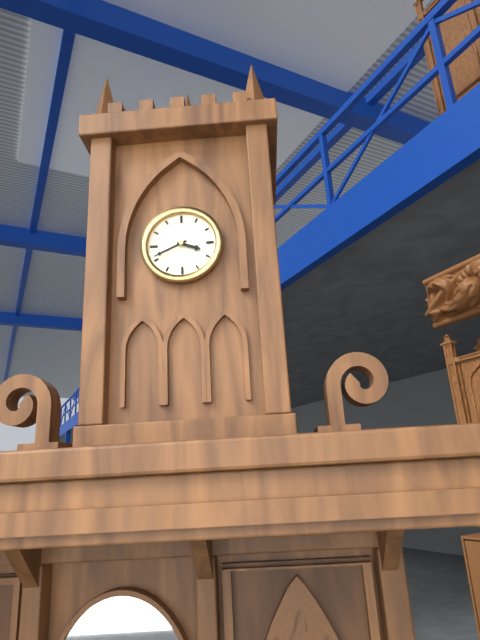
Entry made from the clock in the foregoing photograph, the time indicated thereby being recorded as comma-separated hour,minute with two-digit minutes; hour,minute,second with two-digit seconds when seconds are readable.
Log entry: 3,41
